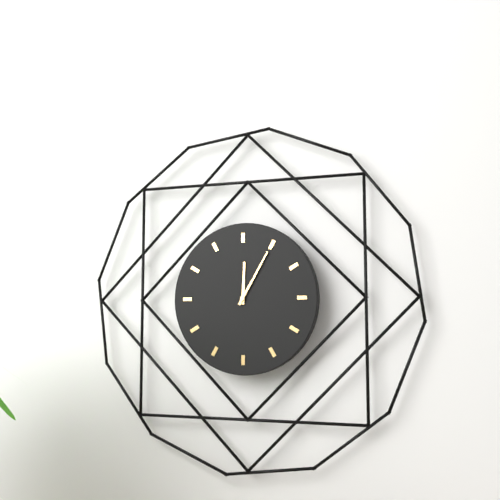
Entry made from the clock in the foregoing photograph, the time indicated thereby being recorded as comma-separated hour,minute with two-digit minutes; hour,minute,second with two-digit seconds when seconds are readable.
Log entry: 12,05
